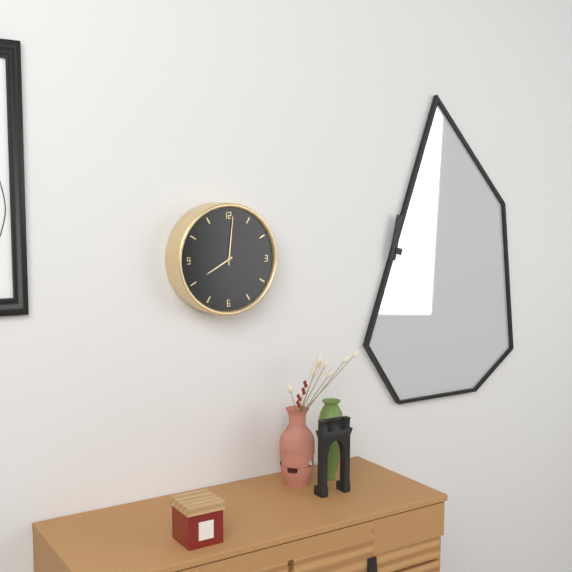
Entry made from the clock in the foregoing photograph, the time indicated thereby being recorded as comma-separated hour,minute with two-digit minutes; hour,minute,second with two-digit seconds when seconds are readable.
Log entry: 8,01
